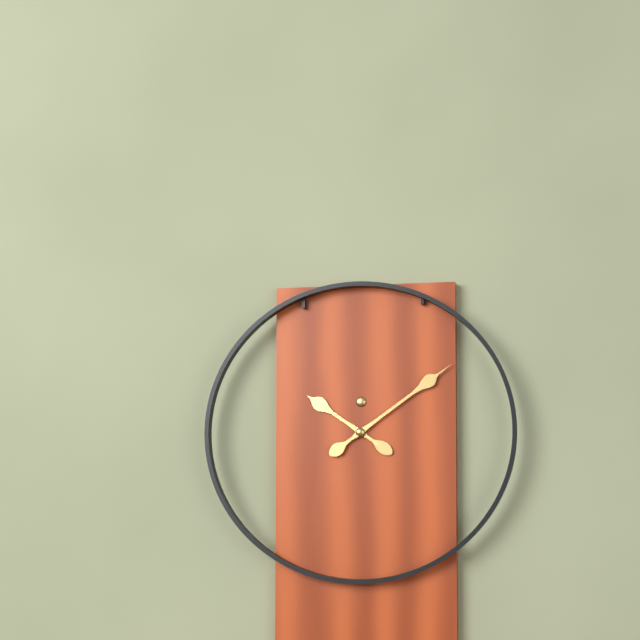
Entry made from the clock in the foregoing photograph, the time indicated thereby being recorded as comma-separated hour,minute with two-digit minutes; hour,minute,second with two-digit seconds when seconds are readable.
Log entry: 10,09
